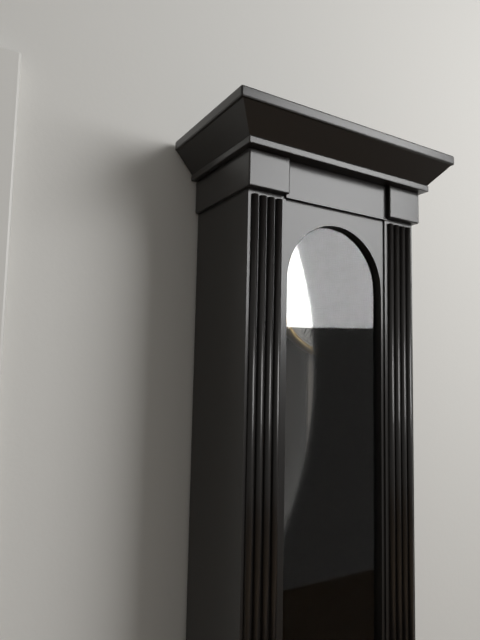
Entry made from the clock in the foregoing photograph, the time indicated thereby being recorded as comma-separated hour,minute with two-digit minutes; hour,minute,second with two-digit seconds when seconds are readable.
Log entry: 7,30
